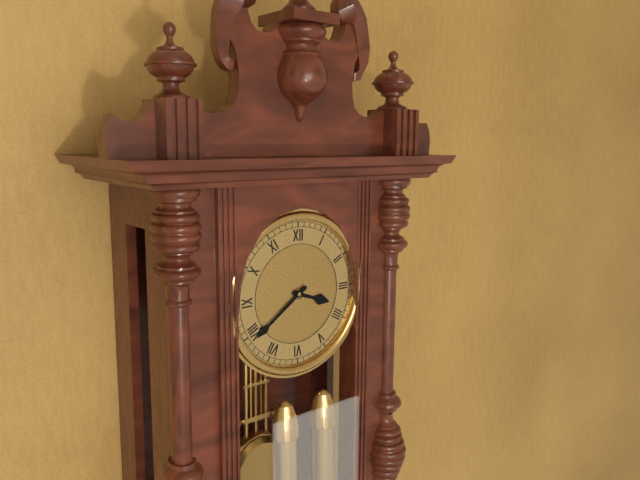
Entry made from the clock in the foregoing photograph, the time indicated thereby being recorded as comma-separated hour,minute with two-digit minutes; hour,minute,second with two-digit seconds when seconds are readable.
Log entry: 3,39
